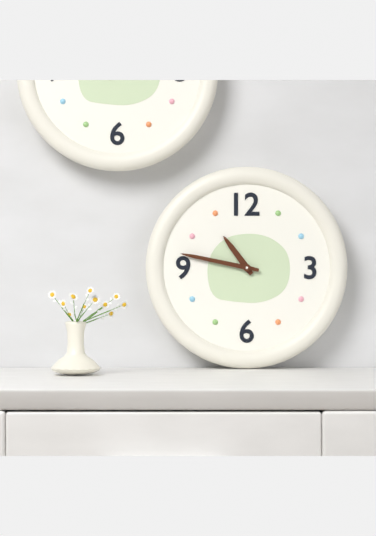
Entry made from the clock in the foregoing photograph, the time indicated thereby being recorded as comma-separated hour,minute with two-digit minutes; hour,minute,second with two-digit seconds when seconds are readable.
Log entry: 10,47
